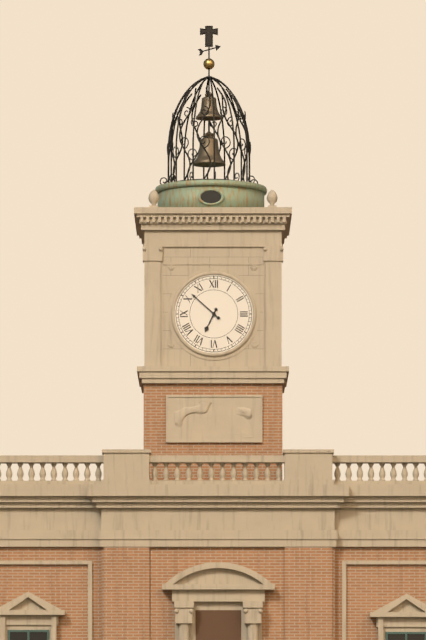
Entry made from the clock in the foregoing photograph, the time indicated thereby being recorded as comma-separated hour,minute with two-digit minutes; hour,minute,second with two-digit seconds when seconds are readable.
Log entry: 6,52
